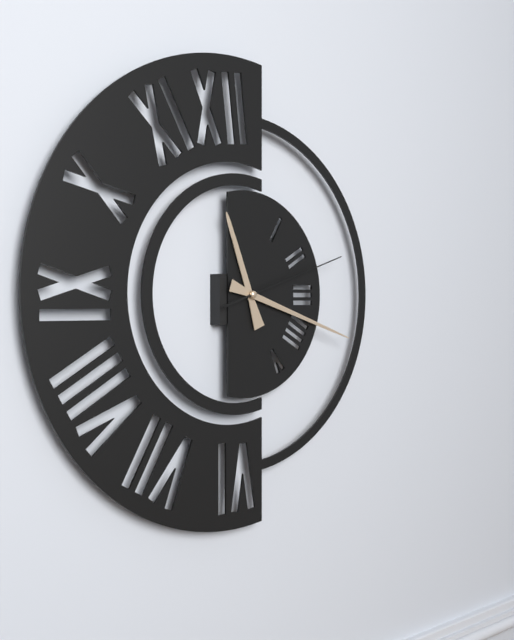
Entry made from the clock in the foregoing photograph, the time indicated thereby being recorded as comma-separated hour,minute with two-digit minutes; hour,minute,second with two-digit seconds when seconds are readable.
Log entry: 11,18,12
